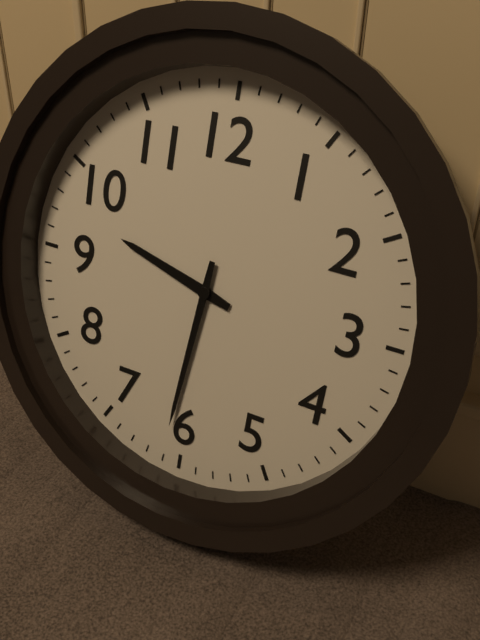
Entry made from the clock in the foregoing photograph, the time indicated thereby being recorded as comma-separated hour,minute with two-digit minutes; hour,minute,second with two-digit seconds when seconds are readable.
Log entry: 9,31
